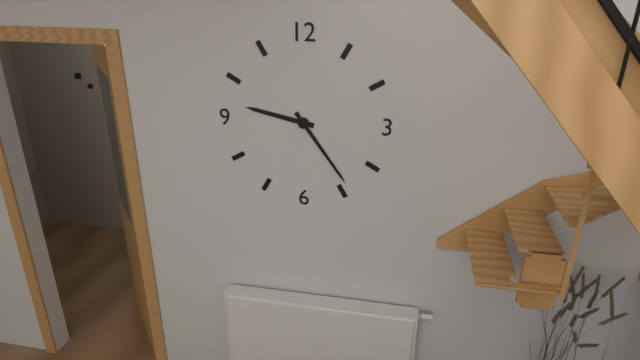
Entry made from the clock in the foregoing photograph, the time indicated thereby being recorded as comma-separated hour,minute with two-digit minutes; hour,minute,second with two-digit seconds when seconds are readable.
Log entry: 9,24
